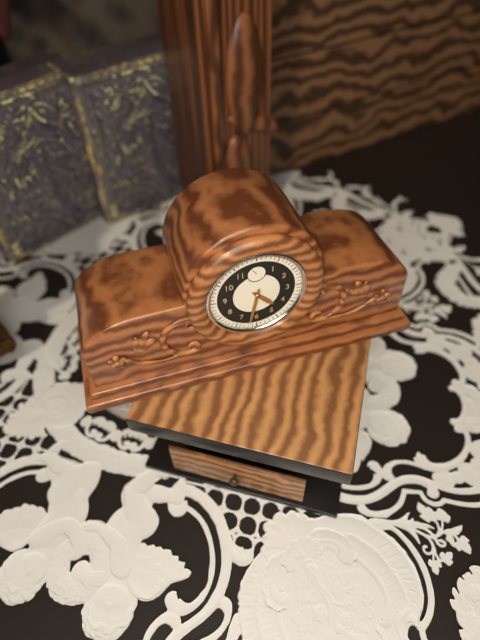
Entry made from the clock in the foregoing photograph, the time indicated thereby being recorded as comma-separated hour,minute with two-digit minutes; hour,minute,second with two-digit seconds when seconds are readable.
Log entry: 4,32
